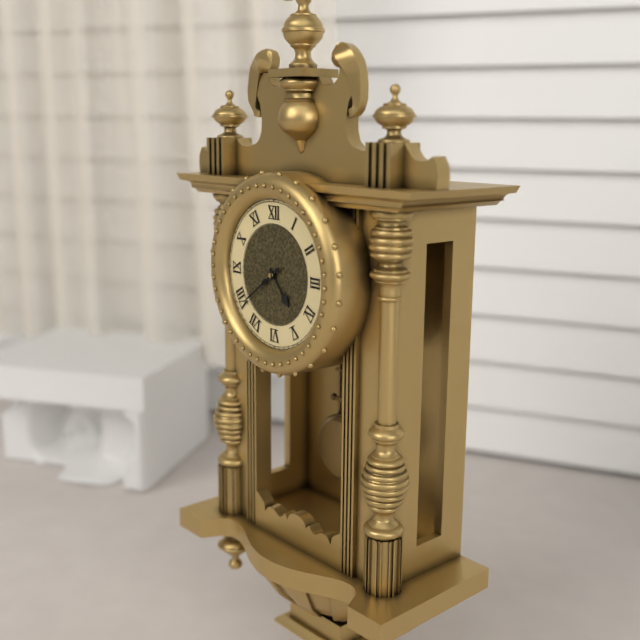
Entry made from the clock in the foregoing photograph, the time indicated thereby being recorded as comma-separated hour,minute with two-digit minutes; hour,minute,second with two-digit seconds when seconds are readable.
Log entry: 4,39
